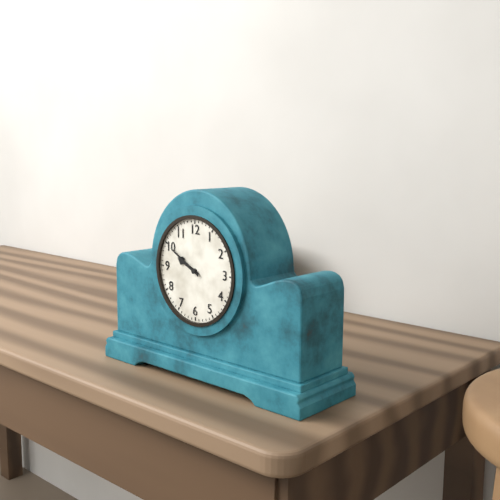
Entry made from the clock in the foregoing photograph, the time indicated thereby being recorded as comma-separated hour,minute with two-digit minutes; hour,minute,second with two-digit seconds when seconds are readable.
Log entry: 9,50
